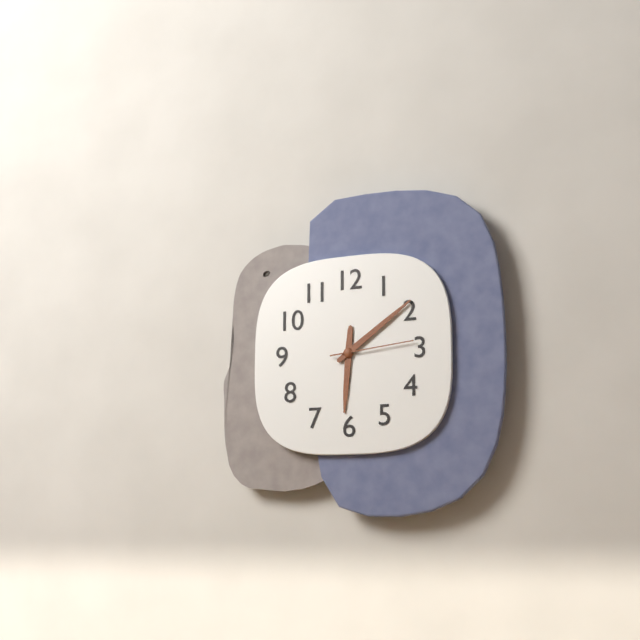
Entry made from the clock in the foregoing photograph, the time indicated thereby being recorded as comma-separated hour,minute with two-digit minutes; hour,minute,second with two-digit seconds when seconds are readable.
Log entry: 6,09,14
